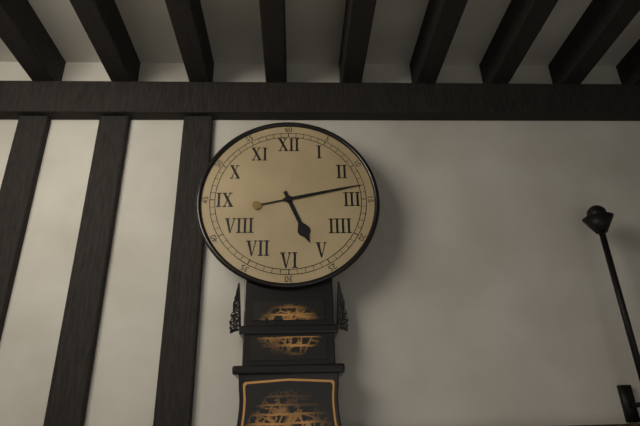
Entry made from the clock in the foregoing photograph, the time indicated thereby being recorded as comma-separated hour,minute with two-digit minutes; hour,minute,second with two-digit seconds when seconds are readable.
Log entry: 5,13
